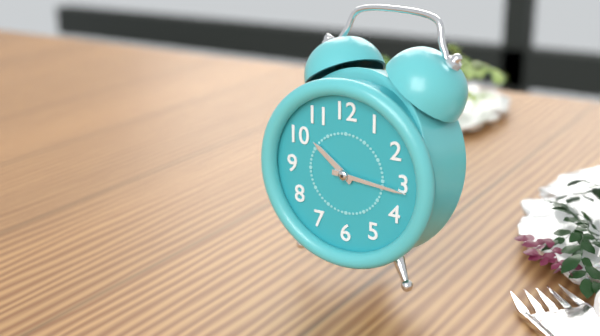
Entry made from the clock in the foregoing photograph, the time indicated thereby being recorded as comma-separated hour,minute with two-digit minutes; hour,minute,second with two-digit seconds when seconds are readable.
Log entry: 10,16
